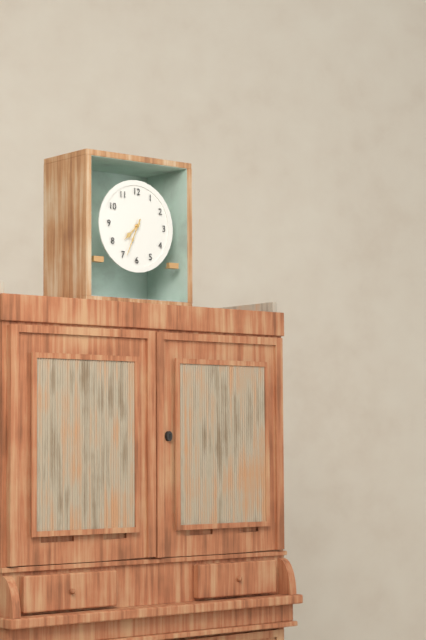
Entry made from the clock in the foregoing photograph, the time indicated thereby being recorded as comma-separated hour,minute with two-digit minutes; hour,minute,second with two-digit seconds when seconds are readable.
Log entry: 7,34
